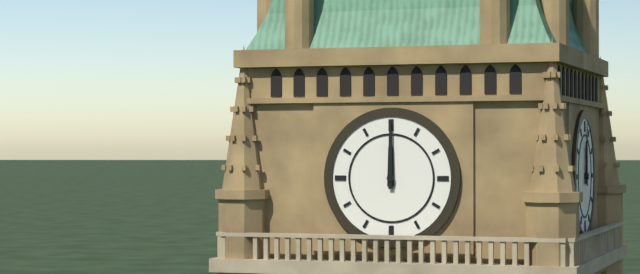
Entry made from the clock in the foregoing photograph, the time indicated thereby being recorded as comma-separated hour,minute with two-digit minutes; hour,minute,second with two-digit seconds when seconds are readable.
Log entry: 12,00
